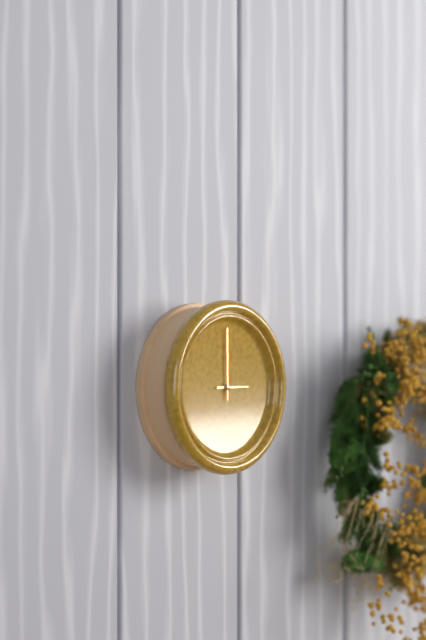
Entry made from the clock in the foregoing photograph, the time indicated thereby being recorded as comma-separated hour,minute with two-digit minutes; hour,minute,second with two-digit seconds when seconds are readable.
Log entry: 3,00
